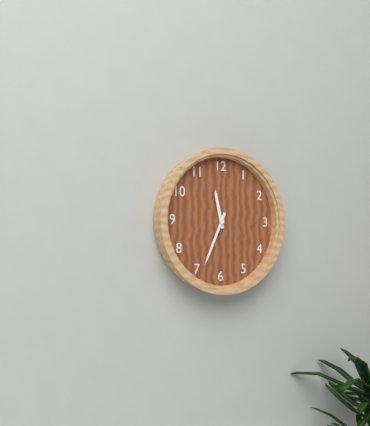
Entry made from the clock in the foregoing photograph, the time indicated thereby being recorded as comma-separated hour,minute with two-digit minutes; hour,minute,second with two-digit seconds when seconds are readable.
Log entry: 11,34
